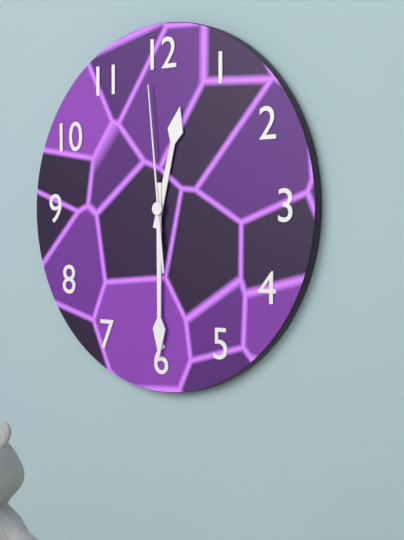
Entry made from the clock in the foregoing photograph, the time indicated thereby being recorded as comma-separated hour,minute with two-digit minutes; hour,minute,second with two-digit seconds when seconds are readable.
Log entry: 12,30,59
